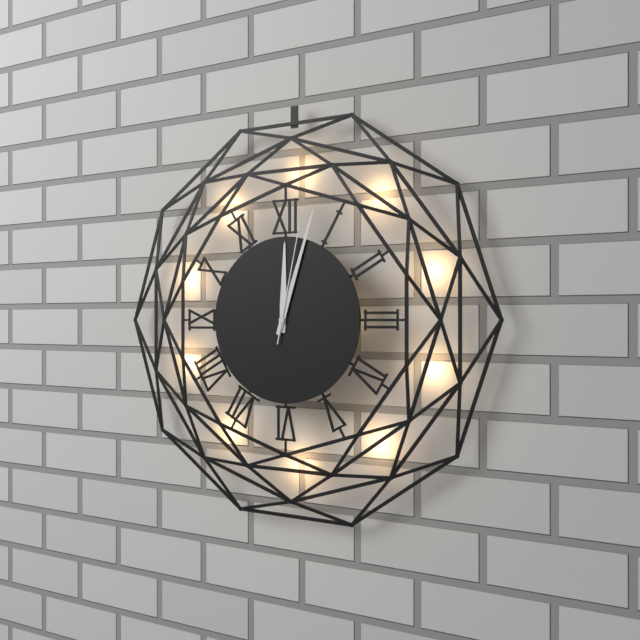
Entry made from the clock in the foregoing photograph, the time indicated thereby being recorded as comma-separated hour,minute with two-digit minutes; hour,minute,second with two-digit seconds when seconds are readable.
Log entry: 12,03,02
